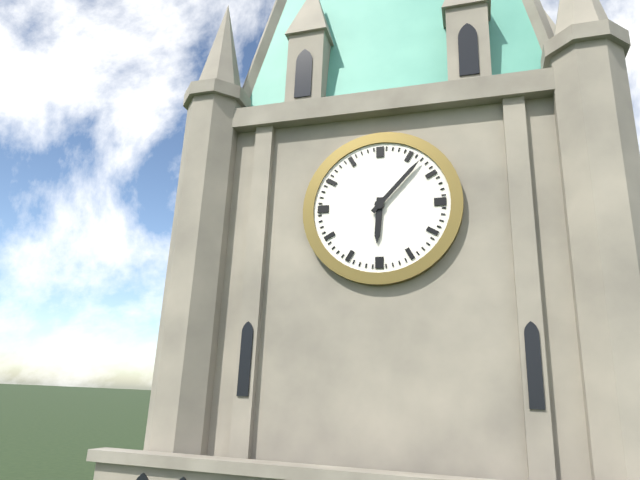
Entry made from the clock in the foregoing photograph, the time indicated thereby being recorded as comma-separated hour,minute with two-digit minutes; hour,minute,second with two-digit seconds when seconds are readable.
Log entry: 6,07
